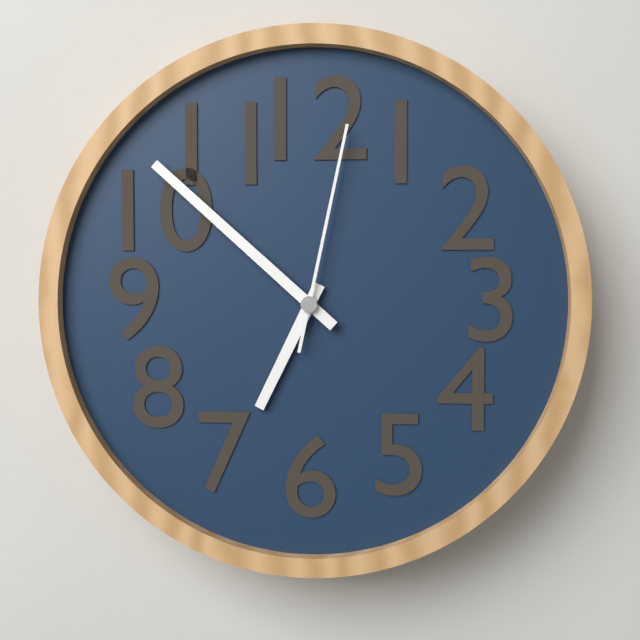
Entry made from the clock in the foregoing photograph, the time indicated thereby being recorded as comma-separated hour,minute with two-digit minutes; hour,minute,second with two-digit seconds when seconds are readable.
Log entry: 6,52,02
